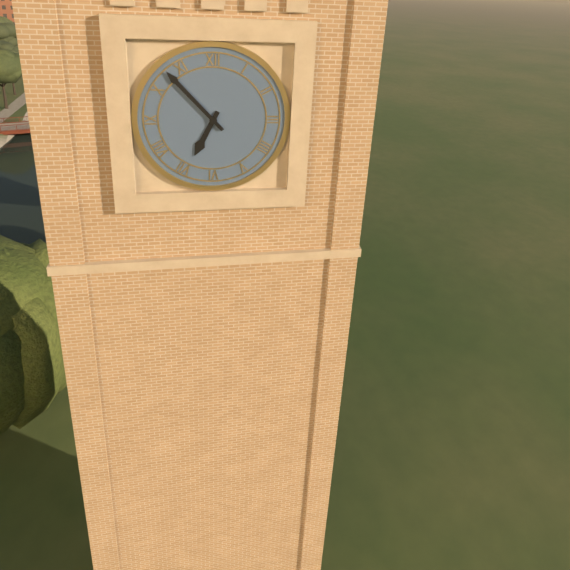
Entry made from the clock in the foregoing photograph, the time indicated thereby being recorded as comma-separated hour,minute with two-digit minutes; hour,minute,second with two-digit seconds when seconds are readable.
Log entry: 6,53
